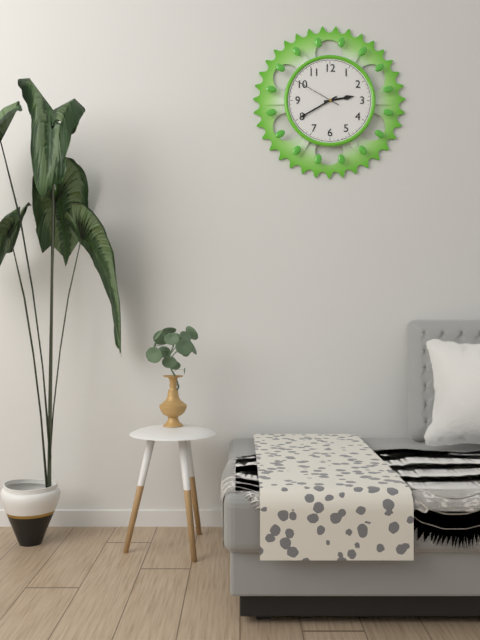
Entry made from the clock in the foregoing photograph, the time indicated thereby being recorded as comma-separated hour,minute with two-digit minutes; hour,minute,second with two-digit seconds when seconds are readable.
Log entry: 2,40
